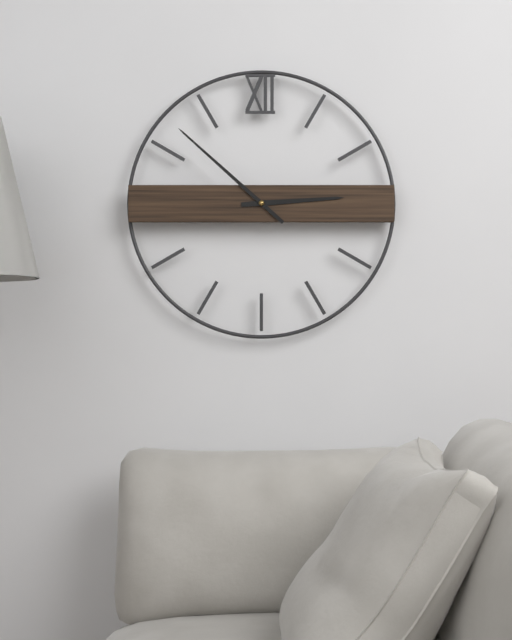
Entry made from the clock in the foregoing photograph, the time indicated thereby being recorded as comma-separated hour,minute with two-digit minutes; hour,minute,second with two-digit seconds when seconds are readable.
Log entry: 2,52
